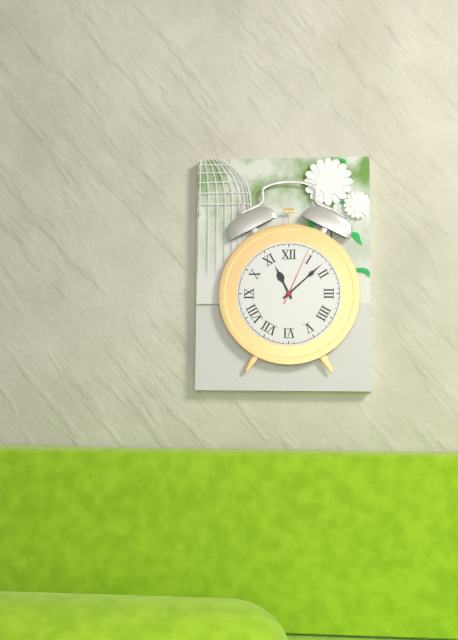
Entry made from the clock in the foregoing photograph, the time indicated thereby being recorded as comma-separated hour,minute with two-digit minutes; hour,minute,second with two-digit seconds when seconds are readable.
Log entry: 11,08,04
